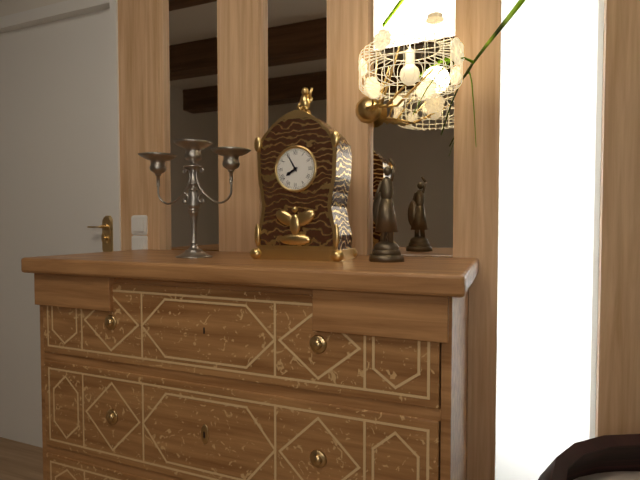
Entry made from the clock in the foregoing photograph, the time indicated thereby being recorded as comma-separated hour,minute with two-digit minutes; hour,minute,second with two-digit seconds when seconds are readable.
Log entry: 7,55
